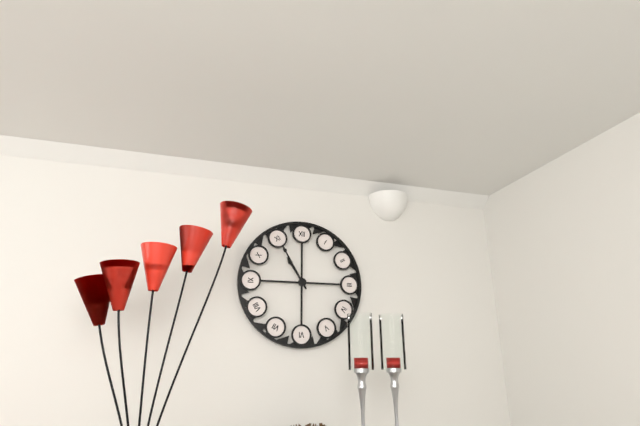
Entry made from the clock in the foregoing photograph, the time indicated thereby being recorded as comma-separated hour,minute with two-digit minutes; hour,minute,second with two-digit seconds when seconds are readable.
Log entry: 10,55
